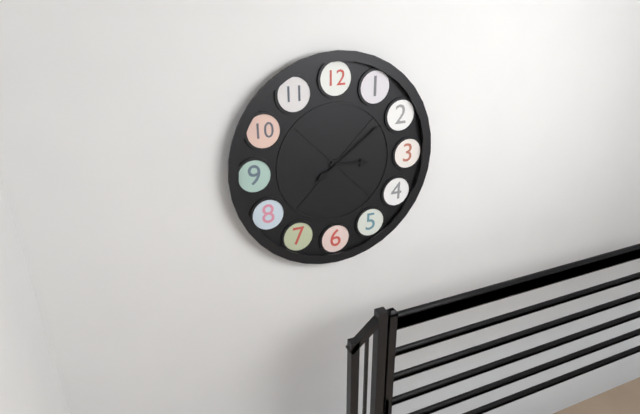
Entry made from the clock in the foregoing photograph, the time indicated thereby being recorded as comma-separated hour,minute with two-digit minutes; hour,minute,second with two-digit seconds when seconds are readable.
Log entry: 3,09
